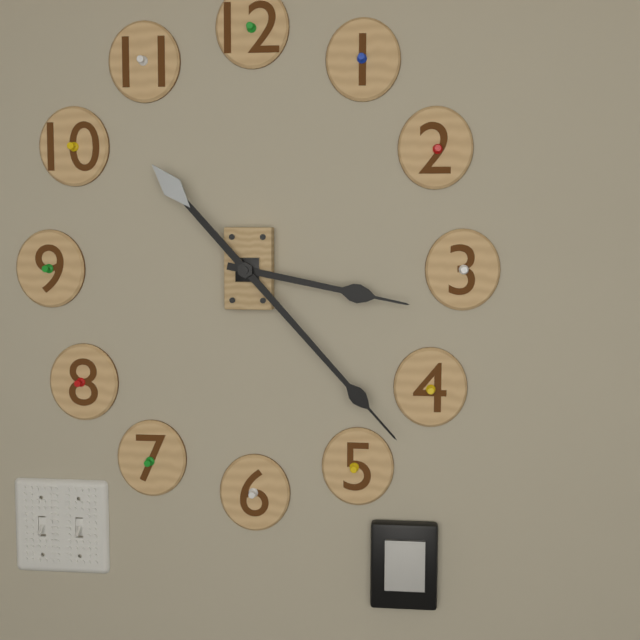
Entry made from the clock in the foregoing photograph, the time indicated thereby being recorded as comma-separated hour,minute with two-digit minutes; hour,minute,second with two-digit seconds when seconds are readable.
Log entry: 3,23
